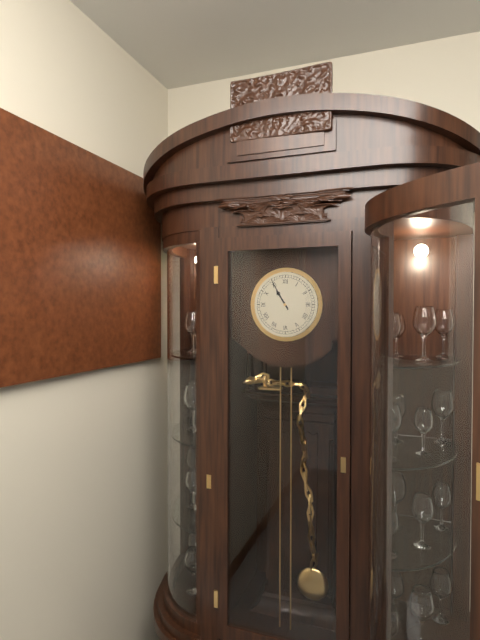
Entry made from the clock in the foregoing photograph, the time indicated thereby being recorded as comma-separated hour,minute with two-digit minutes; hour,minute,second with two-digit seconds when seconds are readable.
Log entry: 10,55
